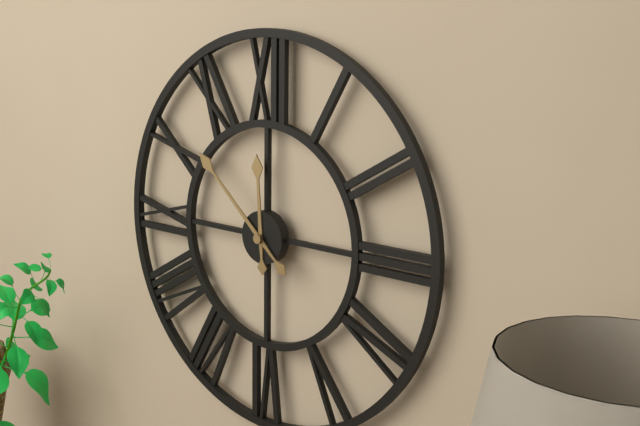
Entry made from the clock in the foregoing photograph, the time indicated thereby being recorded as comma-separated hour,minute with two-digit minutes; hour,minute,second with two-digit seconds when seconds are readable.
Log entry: 11,52
